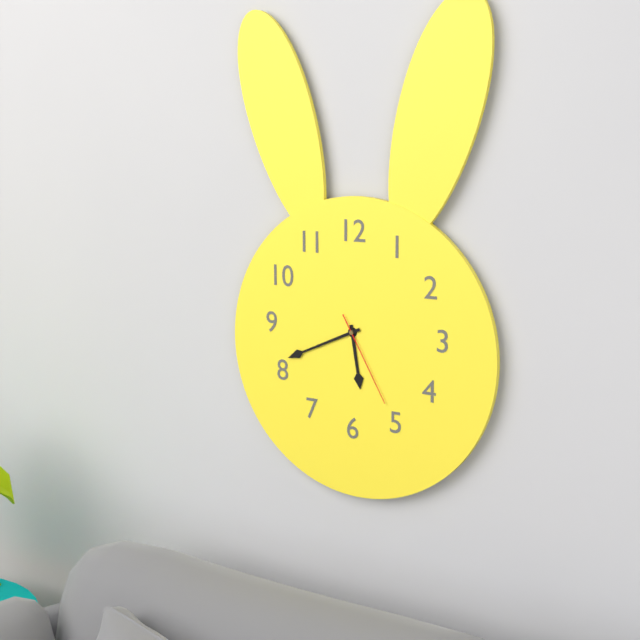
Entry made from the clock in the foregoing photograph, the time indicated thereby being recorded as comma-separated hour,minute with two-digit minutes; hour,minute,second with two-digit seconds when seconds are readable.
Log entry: 5,41,25
